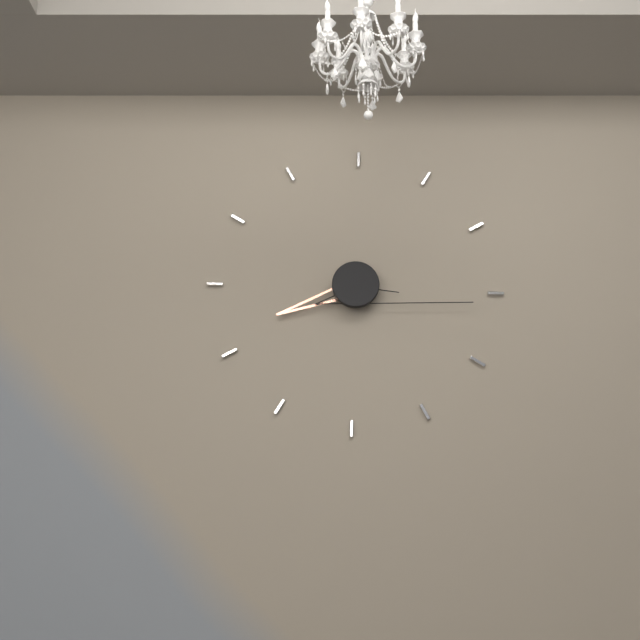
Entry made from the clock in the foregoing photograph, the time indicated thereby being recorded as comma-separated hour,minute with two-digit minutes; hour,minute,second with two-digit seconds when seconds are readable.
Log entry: 8,16
